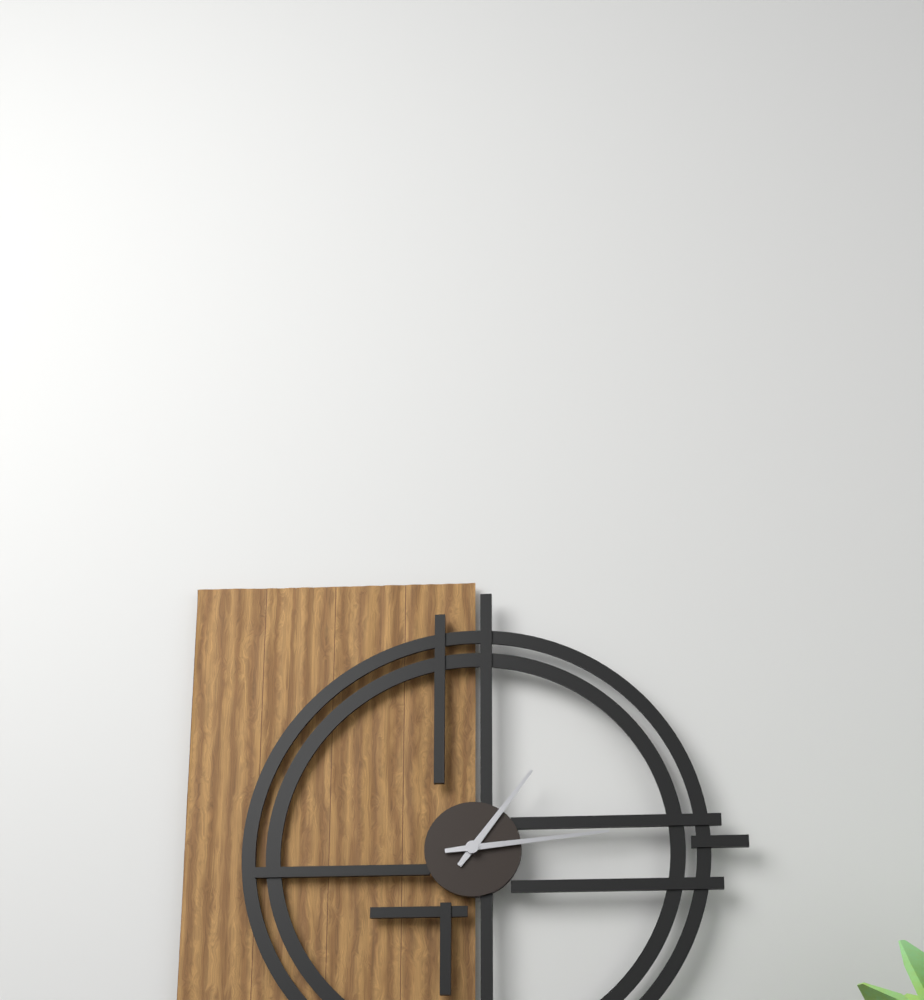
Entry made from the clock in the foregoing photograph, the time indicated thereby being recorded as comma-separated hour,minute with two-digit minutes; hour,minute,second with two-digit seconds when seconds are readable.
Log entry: 1,14
